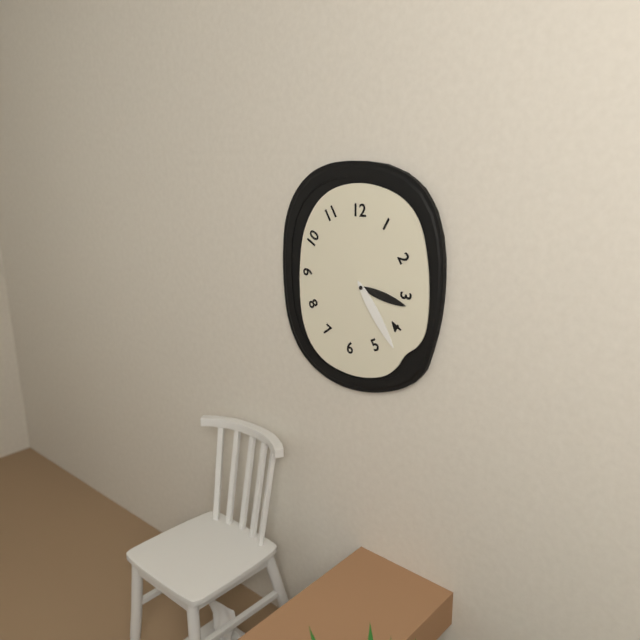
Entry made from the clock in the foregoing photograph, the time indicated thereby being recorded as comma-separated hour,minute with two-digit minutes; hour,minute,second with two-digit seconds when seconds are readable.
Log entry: 3,24
